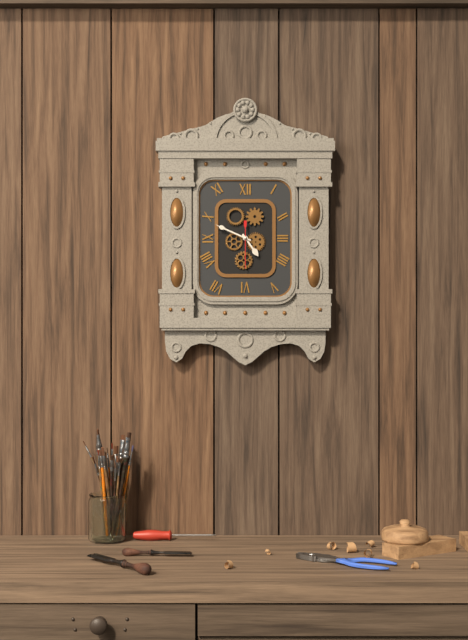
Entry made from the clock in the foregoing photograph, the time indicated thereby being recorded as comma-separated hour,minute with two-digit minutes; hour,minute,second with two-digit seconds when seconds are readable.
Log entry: 4,49
